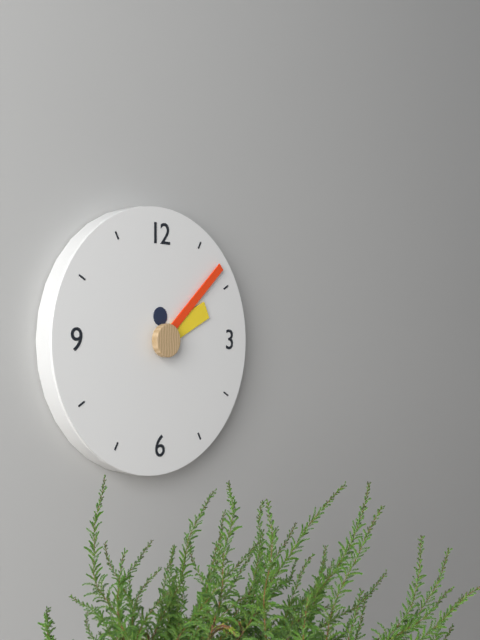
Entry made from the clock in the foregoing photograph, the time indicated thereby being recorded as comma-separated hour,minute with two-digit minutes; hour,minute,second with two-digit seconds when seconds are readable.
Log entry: 2,08
